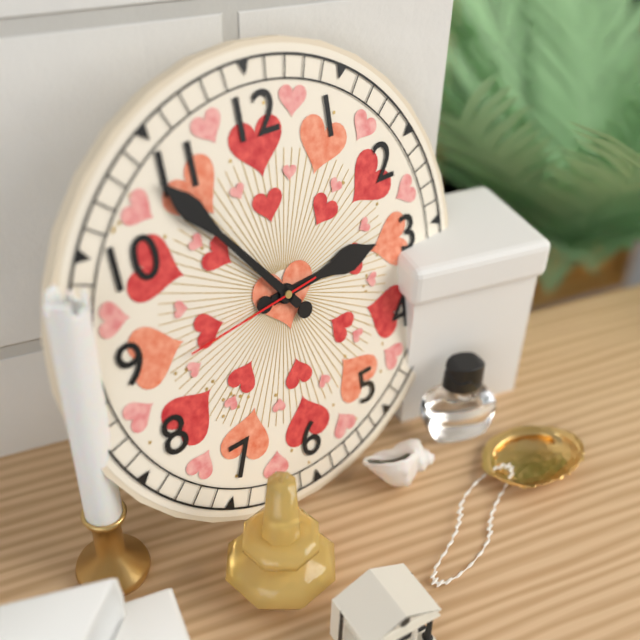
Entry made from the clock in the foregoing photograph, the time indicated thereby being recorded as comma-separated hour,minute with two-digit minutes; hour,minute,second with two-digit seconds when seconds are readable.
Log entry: 2,54,44
